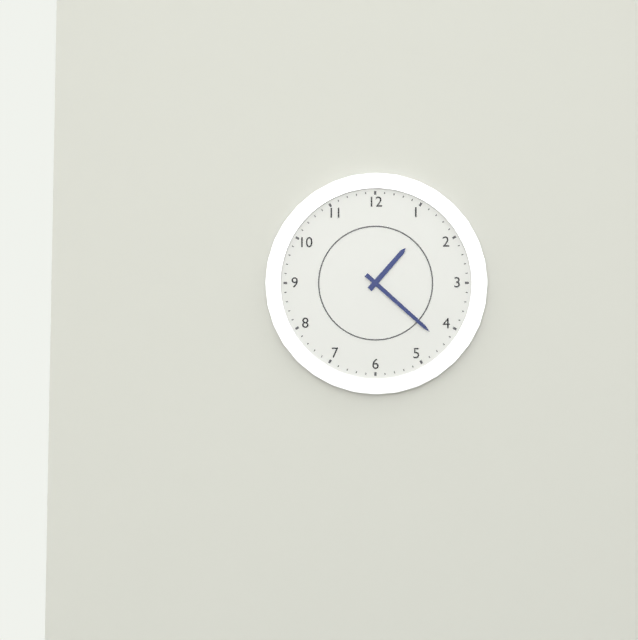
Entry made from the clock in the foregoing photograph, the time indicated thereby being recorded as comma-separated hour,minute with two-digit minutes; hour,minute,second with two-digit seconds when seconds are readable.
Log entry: 1,22
